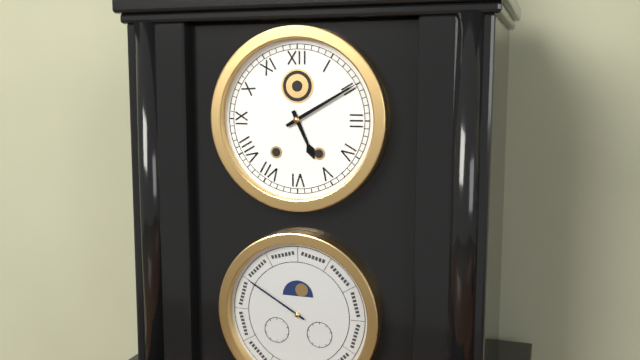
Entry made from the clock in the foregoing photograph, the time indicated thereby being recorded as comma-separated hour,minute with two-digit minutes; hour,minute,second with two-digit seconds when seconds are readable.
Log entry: 5,10
